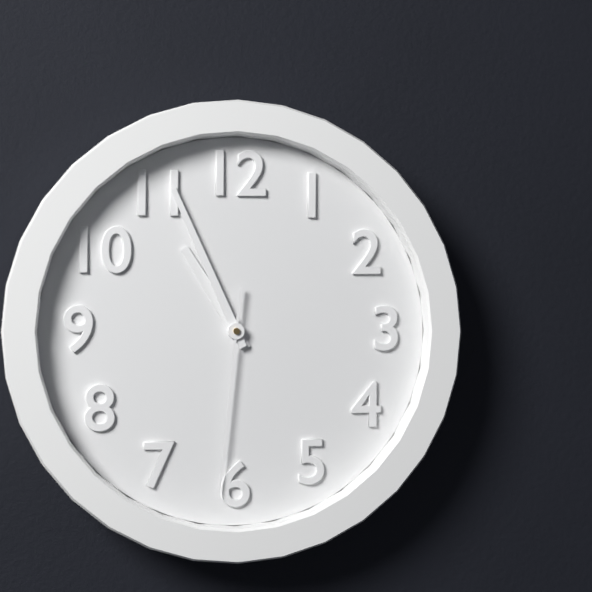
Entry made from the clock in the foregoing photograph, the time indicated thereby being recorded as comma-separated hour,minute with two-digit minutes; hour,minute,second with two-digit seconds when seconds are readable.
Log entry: 10,56,31
